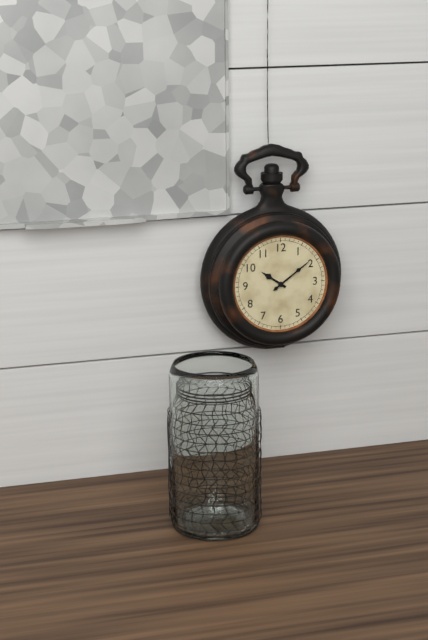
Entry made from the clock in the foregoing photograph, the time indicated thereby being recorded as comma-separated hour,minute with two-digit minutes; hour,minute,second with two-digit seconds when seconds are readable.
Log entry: 10,09
